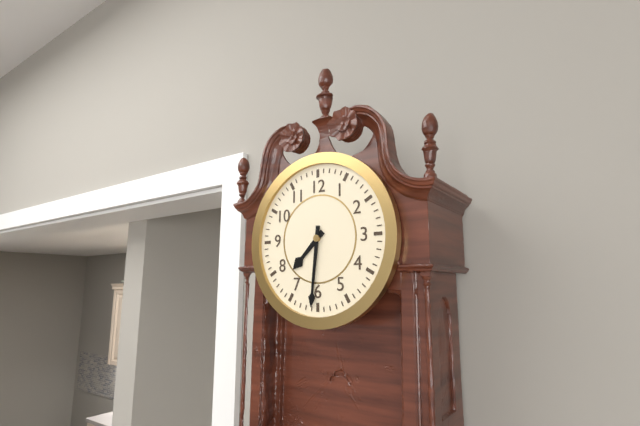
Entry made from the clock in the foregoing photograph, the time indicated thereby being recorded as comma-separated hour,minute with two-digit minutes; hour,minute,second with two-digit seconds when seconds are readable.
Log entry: 7,31
